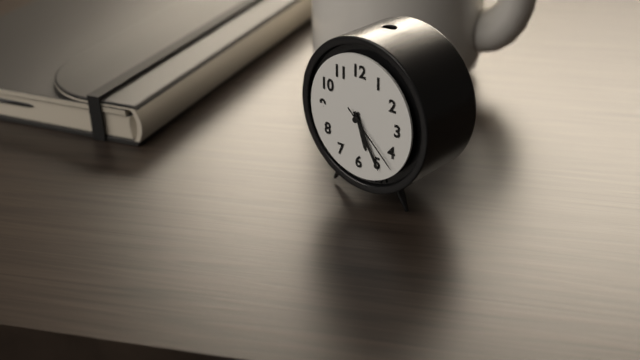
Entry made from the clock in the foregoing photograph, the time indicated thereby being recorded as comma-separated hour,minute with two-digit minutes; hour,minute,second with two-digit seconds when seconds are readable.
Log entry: 5,25,22
